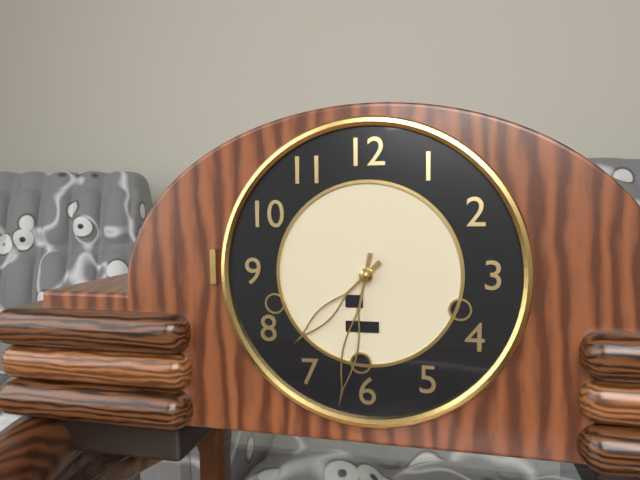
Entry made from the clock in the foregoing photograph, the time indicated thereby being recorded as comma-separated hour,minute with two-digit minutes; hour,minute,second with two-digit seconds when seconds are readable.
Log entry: 7,32
